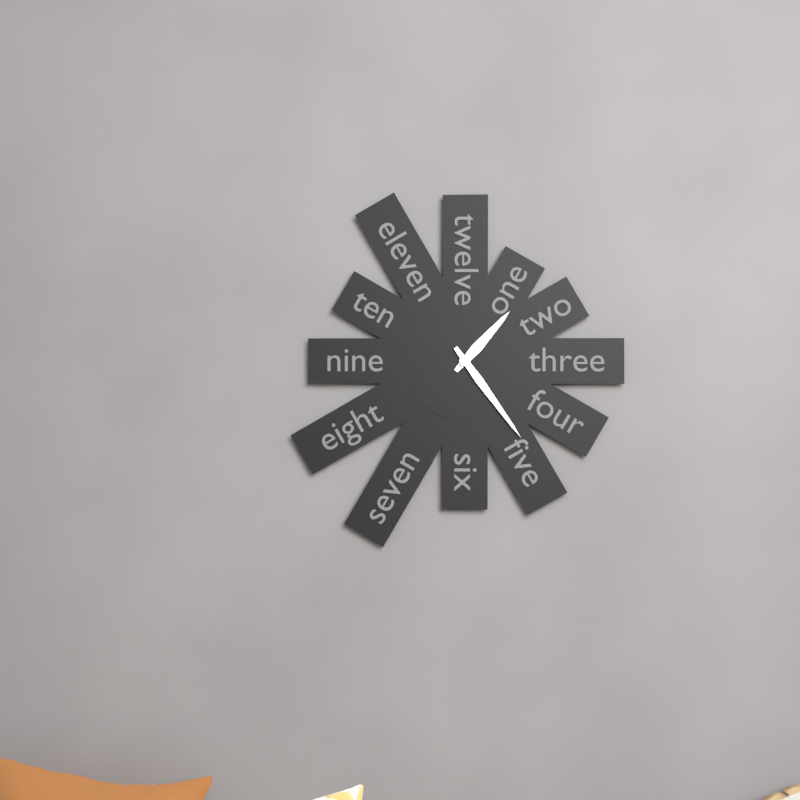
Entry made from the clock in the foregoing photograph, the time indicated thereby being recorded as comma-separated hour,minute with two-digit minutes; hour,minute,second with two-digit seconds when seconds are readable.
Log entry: 1,24
